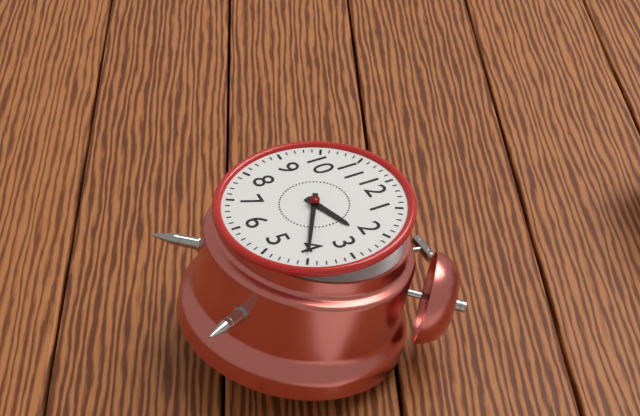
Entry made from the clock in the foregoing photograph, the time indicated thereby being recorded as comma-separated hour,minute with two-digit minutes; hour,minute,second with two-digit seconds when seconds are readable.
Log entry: 2,20
